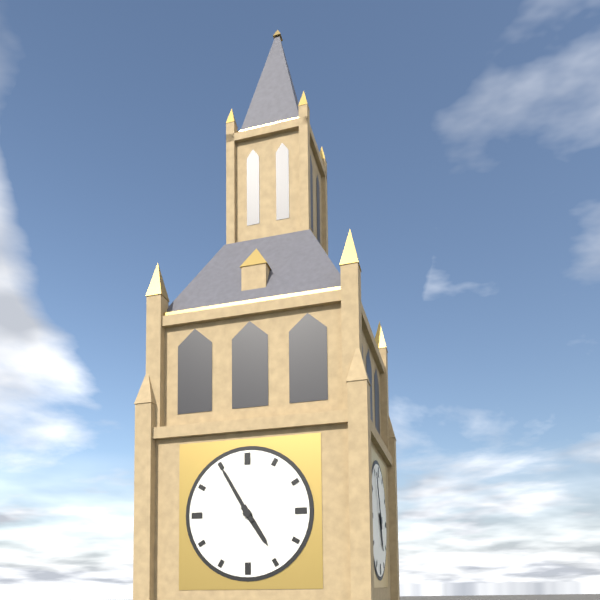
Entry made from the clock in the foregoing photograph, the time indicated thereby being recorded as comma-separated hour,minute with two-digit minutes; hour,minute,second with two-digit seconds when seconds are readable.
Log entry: 4,55
